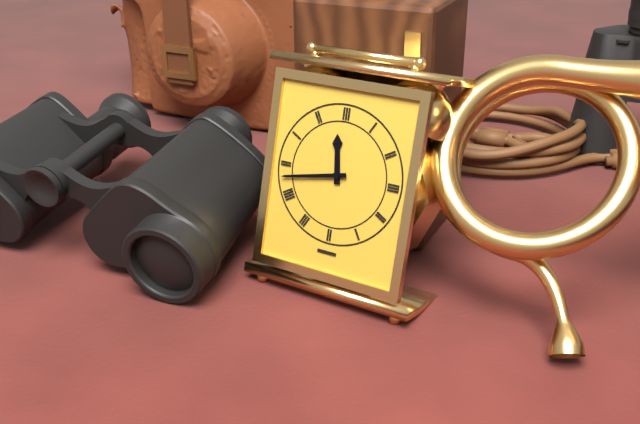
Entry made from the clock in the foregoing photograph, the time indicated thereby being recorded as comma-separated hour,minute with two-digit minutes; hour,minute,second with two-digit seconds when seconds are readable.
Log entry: 11,43
